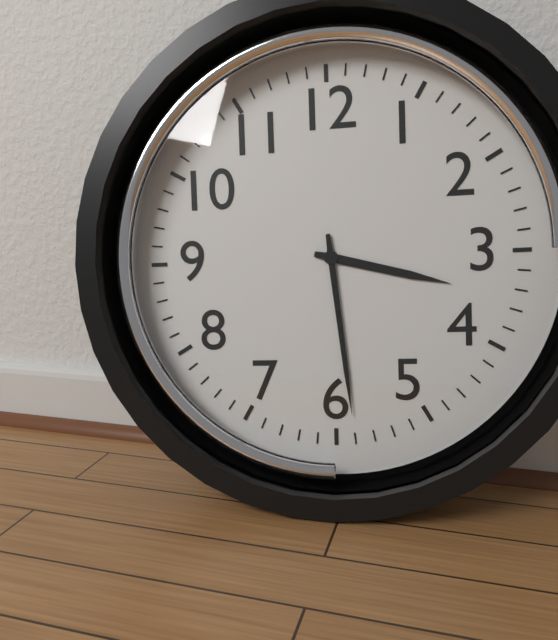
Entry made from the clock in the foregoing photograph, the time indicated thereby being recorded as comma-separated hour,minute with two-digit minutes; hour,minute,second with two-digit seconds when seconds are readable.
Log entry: 3,29
